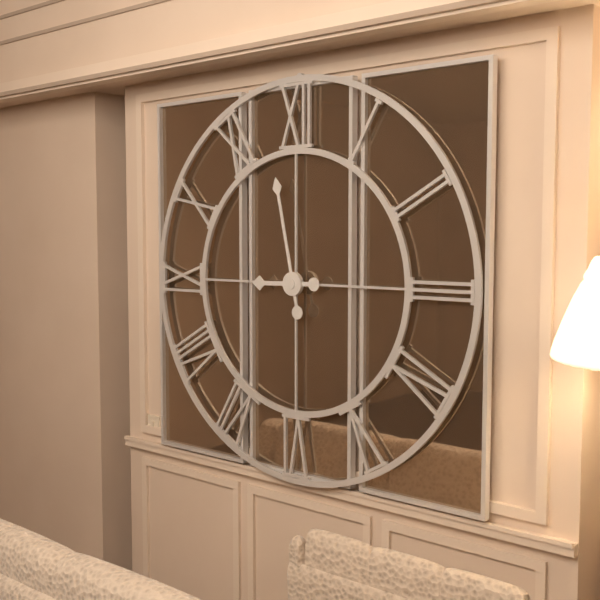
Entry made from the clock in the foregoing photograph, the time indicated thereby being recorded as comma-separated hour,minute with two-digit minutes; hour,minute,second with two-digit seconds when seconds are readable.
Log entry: 8,58
